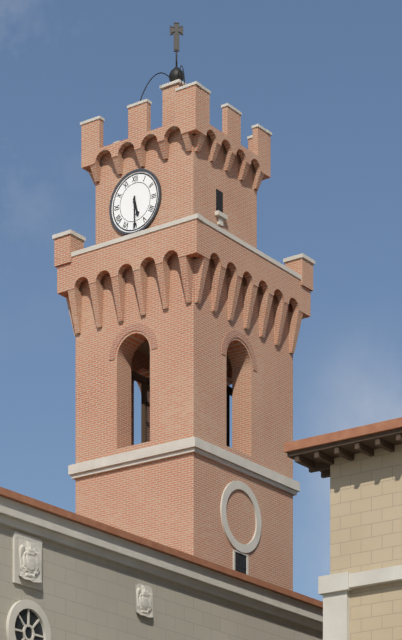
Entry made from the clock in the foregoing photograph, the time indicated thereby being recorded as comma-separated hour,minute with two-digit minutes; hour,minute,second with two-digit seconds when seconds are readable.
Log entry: 5,30
